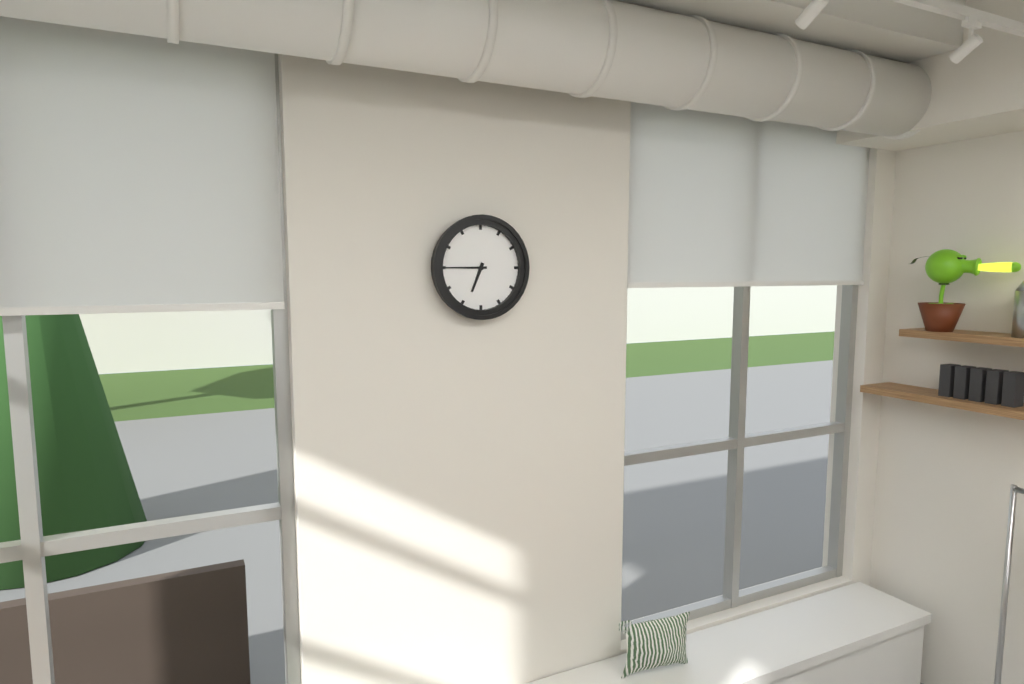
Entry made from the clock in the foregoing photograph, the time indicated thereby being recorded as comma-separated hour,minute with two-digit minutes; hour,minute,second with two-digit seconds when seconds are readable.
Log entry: 6,45
